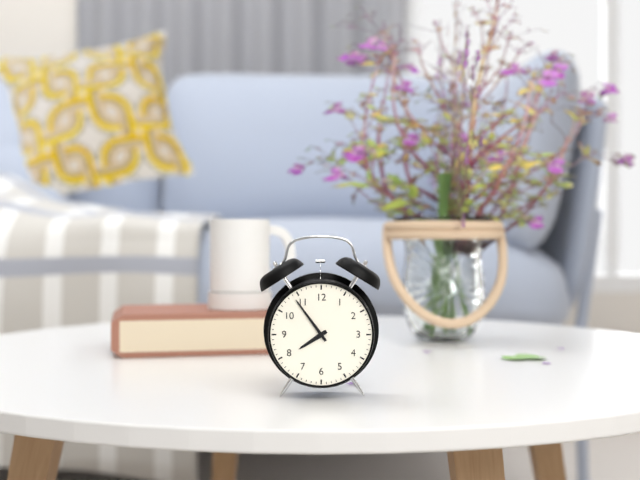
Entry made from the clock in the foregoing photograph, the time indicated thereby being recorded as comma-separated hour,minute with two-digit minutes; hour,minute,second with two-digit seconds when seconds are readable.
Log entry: 7,54
